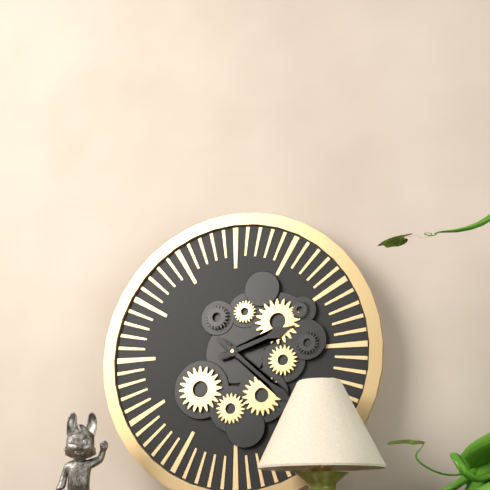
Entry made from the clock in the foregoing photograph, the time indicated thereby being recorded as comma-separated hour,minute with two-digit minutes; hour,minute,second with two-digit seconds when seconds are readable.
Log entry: 2,22
